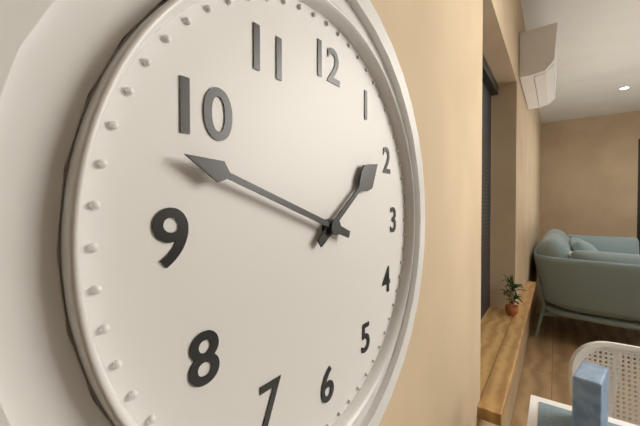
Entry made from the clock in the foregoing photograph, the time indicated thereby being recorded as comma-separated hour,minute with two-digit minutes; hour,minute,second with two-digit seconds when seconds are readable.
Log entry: 1,48
